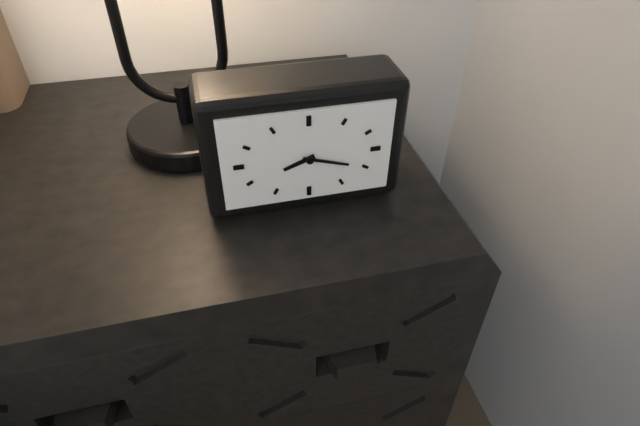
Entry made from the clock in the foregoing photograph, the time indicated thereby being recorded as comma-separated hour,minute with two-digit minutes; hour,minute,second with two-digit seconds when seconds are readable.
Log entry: 8,18
